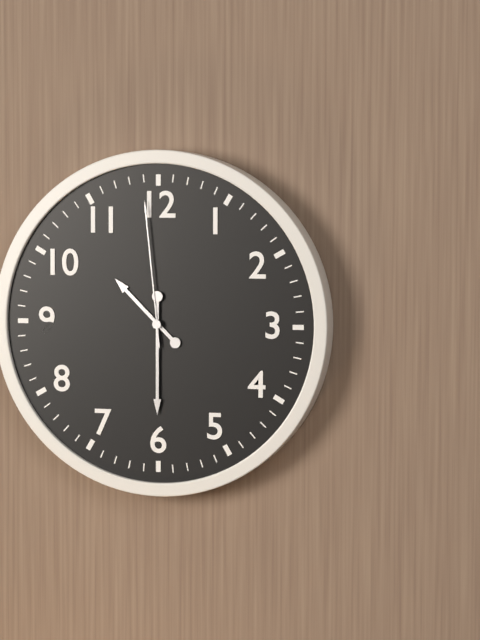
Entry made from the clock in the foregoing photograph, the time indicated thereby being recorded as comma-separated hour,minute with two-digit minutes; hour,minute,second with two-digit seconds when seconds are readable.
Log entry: 10,30,59
